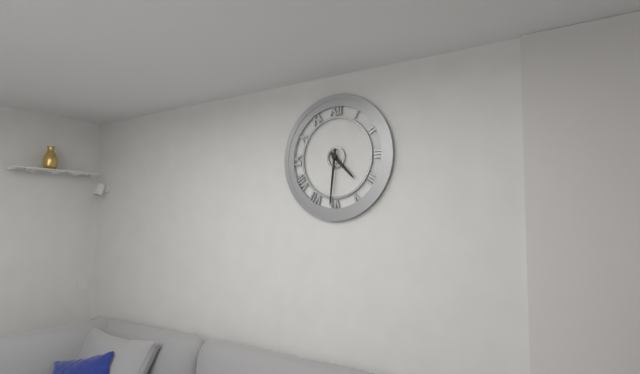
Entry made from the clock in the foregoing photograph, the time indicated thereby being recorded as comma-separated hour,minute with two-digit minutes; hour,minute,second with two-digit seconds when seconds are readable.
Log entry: 4,31
